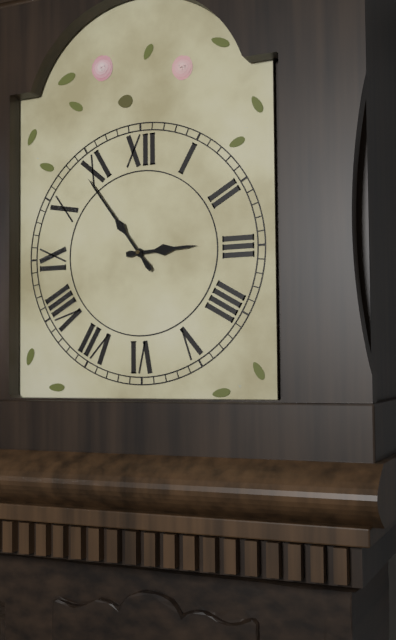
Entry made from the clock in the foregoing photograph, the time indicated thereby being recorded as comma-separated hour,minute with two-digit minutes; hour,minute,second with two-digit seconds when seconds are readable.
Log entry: 2,54
